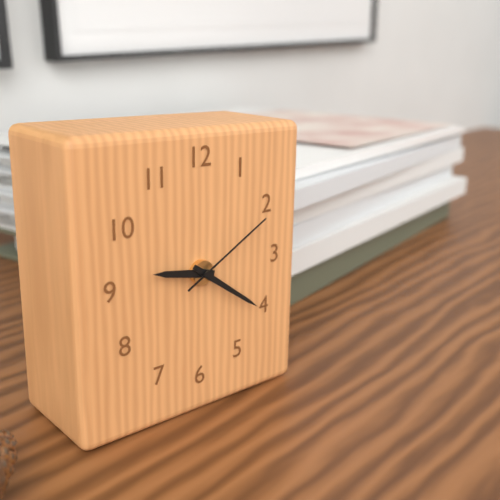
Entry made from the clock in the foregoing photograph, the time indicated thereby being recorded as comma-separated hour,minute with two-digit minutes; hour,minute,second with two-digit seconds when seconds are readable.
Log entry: 9,21,10
